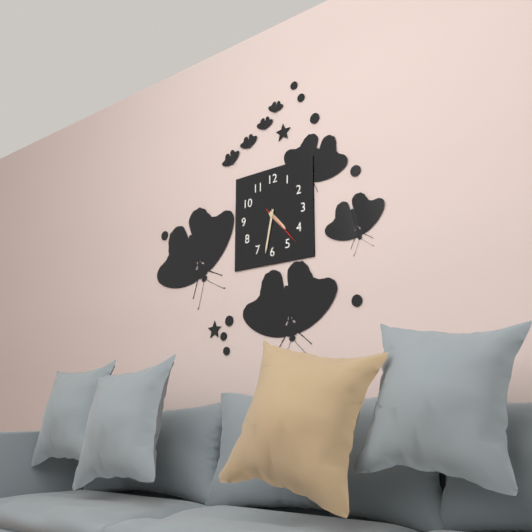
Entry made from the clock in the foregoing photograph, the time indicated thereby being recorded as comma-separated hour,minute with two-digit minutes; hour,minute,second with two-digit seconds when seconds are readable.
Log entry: 4,32
